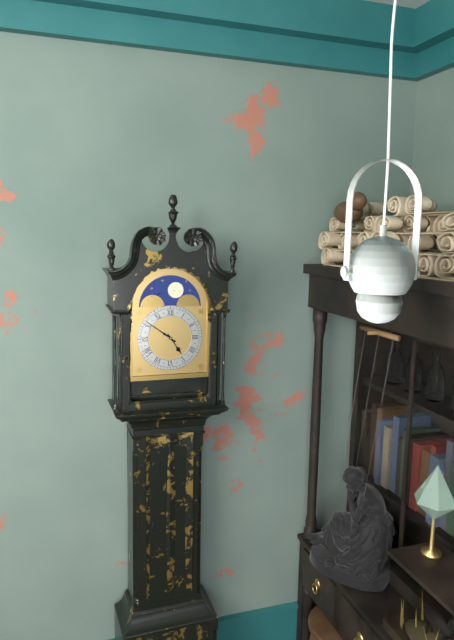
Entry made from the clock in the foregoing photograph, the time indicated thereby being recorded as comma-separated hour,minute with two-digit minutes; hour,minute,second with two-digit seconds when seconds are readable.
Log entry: 4,51
